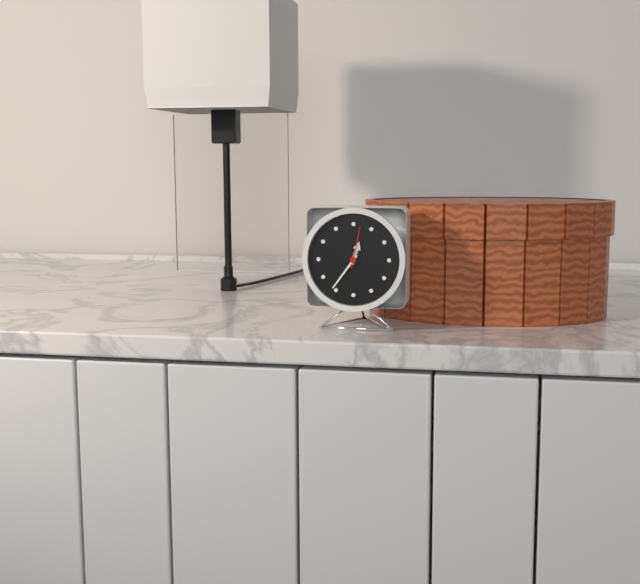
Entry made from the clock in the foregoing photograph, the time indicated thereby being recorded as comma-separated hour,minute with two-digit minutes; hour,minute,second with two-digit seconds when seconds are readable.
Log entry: 12,36
